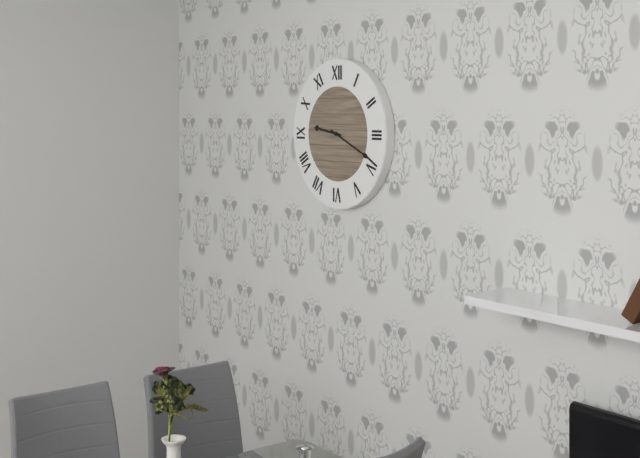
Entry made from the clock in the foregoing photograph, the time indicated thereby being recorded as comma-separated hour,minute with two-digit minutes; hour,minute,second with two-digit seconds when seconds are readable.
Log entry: 9,19
